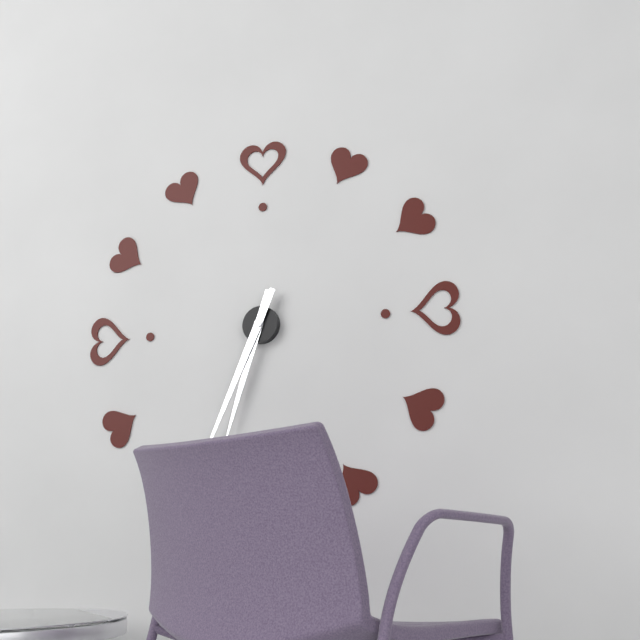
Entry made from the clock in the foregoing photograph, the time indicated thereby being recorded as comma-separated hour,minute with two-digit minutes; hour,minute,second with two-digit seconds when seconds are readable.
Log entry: 6,34
